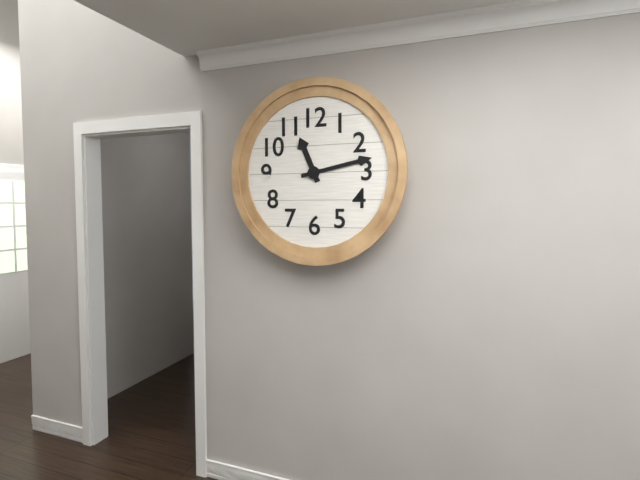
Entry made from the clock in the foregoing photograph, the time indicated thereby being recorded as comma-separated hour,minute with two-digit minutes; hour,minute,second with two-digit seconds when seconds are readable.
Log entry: 11,13
